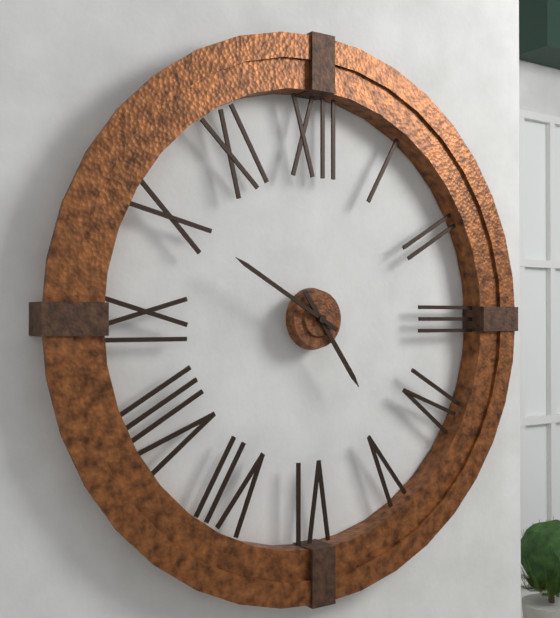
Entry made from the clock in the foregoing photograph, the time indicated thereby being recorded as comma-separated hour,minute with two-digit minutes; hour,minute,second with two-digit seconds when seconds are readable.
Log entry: 4,50
